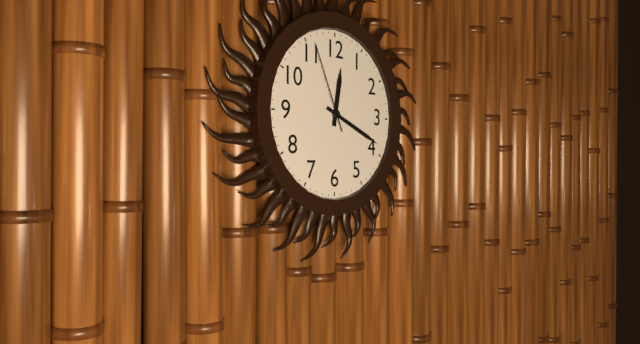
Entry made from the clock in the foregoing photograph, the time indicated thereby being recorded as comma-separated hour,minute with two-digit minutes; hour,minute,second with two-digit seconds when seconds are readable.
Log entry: 12,19,56
